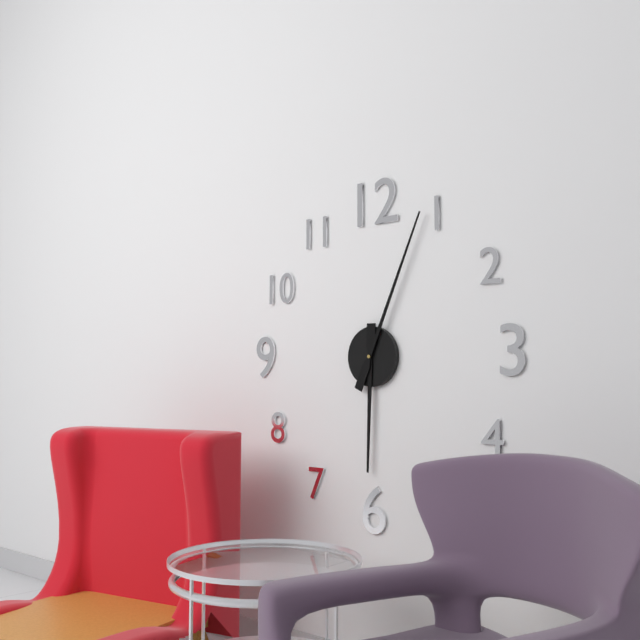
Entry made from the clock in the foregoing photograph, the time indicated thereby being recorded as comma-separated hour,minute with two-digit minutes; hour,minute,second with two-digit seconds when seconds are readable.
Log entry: 6,04
